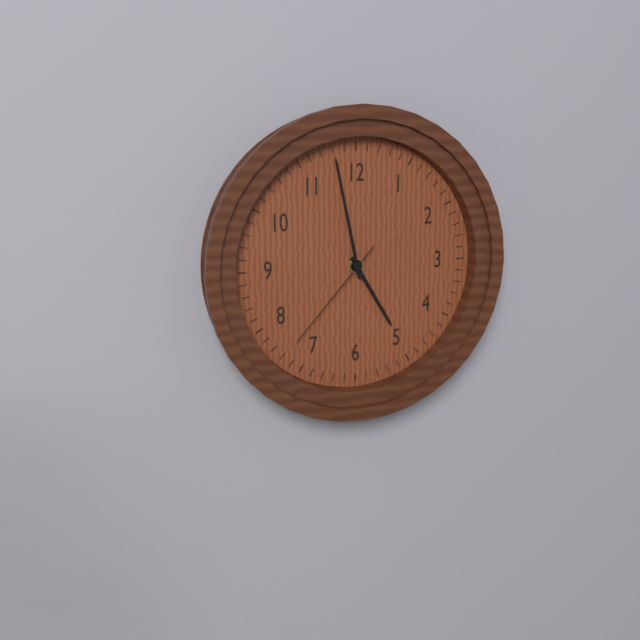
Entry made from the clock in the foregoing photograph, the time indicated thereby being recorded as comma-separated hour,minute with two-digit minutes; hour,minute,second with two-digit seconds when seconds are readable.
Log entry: 4,58,37
